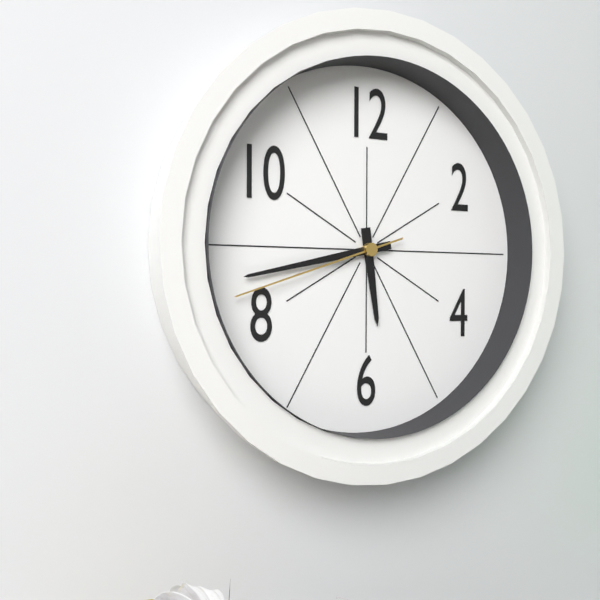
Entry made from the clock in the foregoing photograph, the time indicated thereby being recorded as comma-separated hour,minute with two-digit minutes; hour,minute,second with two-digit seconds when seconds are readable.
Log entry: 5,43,42
